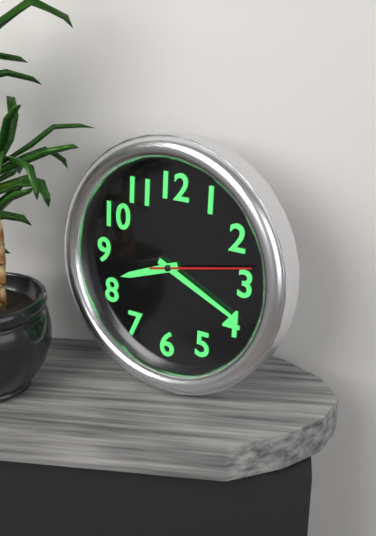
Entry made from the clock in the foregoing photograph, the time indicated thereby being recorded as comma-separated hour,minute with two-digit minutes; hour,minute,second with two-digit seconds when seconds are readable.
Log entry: 8,19,13
